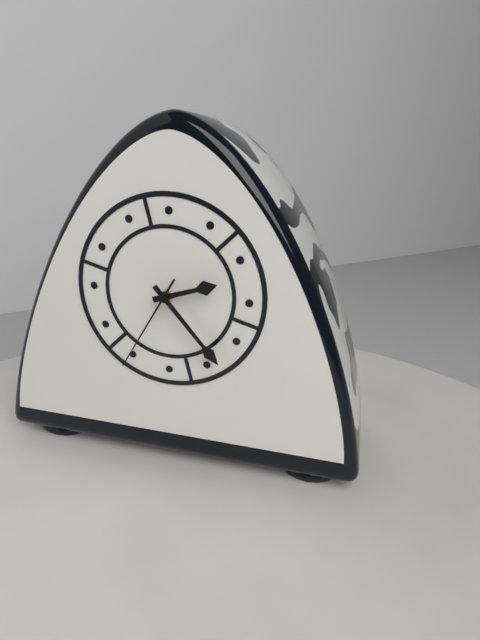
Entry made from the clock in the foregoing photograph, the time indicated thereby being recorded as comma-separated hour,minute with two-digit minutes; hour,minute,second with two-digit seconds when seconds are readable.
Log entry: 2,23,35
